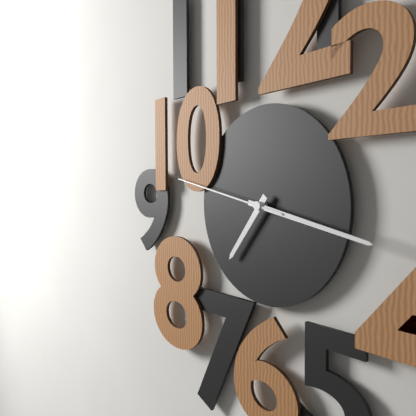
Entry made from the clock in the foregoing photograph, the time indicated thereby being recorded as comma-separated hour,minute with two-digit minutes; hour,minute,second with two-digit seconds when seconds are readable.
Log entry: 7,17,47
